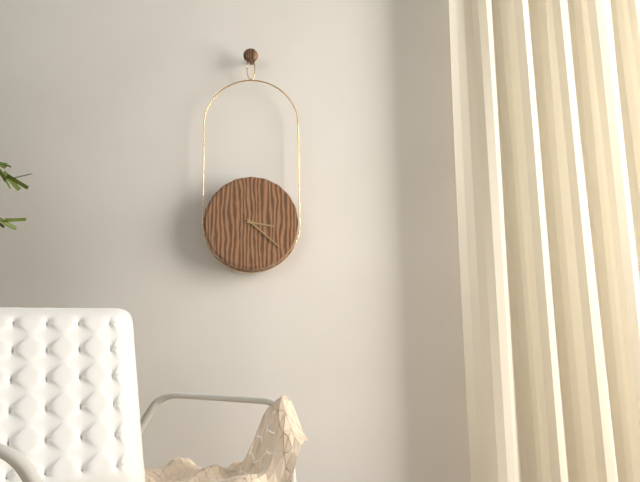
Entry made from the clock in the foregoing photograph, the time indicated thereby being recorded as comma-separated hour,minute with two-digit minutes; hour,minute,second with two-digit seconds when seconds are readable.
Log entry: 3,22
